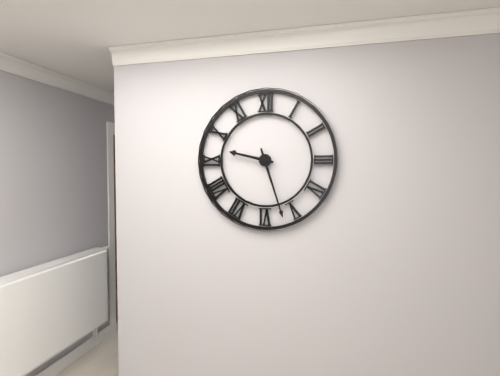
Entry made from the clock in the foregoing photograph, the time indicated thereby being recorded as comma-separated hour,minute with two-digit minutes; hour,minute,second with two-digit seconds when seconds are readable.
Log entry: 9,27
